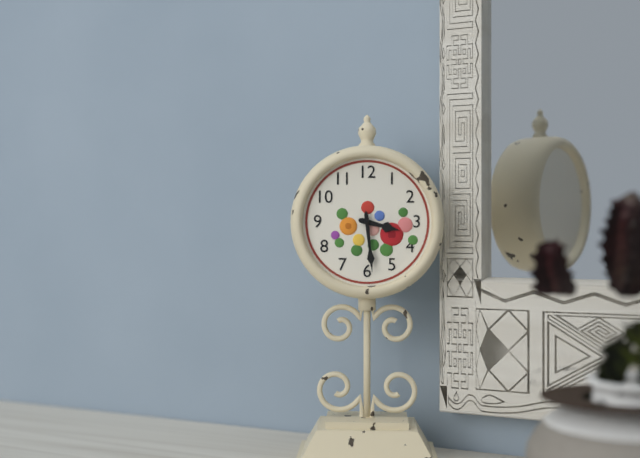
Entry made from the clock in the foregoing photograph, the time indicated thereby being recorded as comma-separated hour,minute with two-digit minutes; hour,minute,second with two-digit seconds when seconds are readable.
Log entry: 3,29
